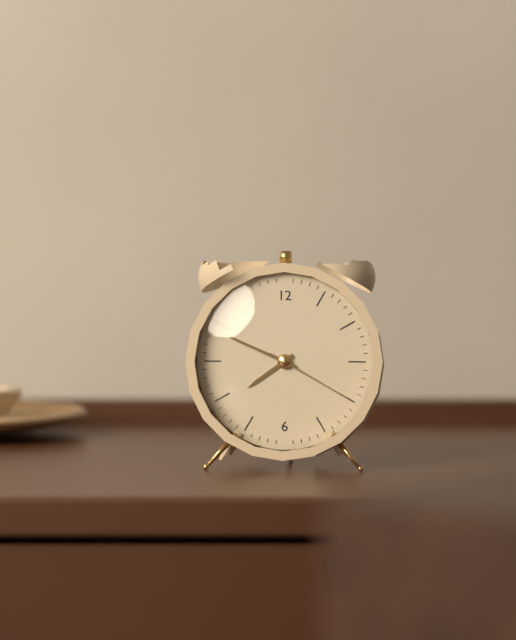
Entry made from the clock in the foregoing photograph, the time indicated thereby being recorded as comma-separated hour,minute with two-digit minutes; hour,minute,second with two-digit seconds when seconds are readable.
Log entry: 7,49,20
